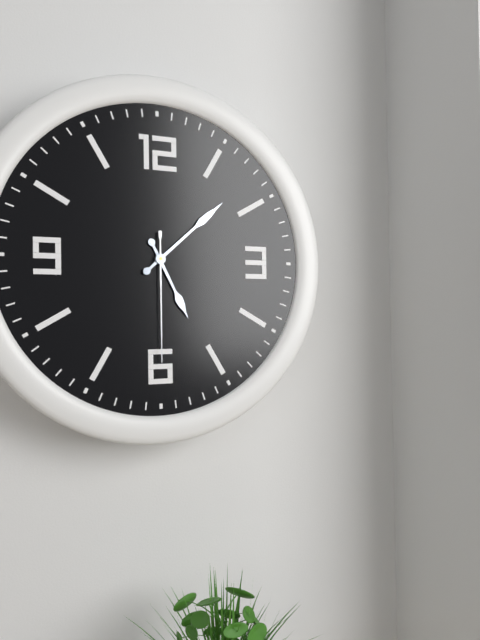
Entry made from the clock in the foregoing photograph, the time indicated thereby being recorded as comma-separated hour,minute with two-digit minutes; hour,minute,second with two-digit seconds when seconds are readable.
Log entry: 5,08,30
